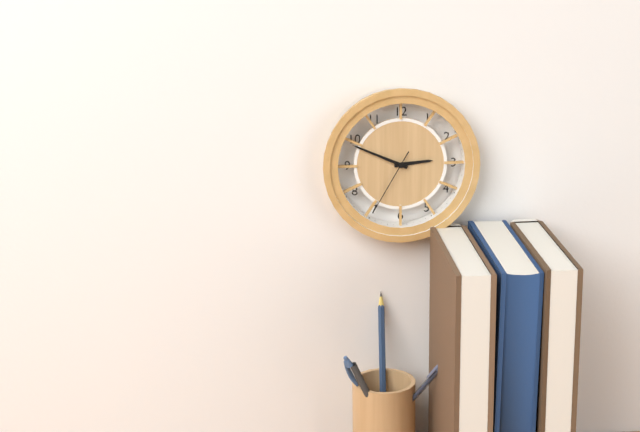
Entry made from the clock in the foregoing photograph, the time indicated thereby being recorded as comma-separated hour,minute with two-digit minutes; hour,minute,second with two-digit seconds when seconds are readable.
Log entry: 2,49,35
